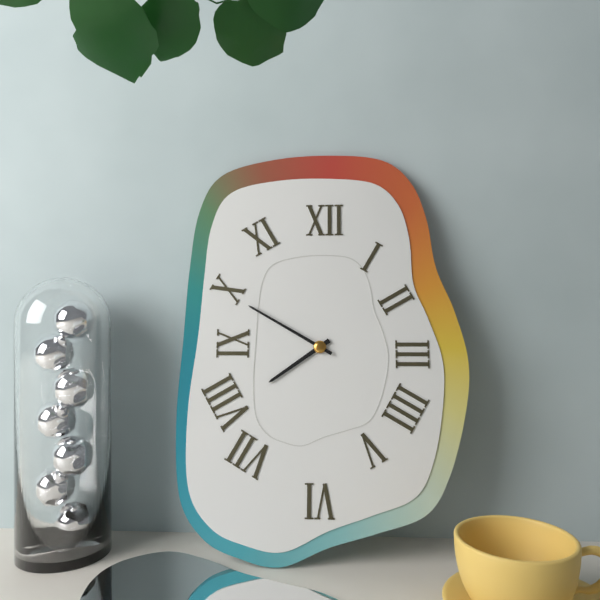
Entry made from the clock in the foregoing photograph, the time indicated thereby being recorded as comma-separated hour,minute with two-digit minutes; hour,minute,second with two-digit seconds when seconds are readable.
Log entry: 7,50
